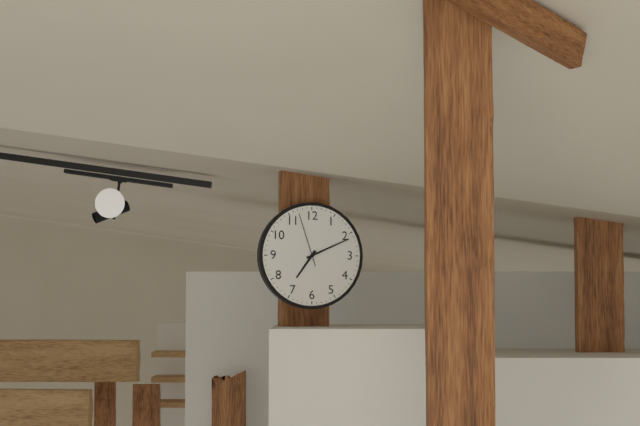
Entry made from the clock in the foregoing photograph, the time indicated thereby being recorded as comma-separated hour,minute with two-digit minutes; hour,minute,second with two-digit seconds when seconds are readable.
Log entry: 7,11,57
